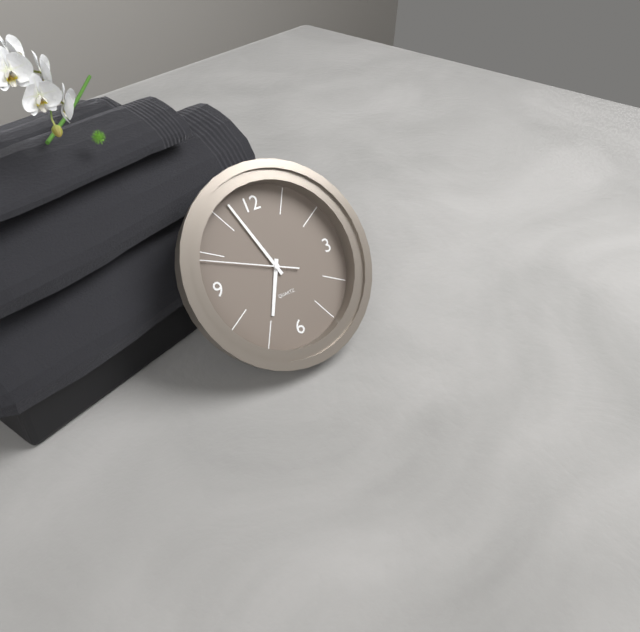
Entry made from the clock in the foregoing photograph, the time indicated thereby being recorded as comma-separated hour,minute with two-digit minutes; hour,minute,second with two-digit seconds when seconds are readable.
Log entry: 6,57,49
